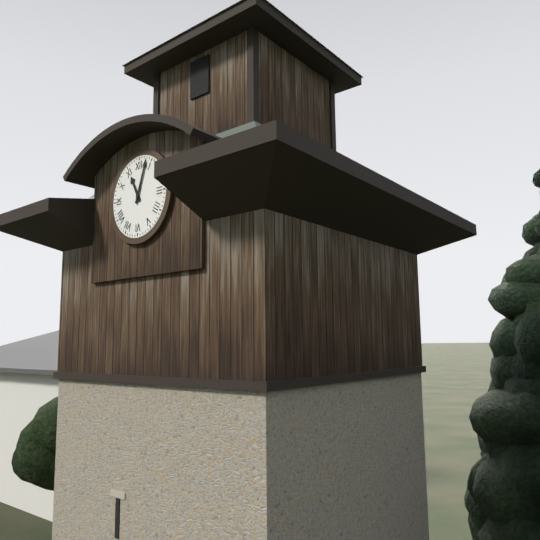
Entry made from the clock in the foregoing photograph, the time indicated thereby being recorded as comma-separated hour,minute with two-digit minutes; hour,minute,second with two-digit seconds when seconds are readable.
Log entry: 11,03
